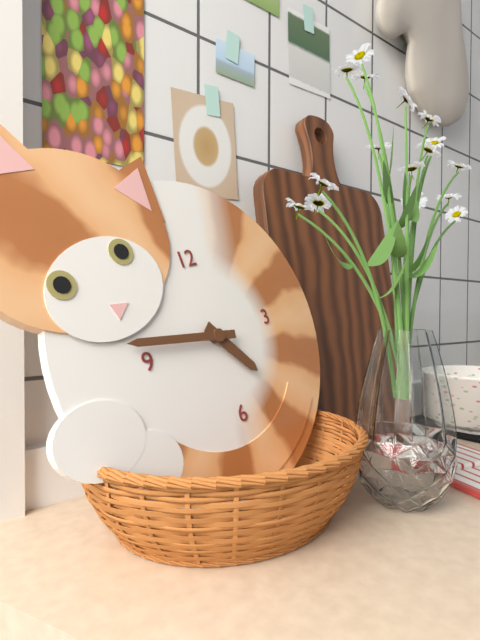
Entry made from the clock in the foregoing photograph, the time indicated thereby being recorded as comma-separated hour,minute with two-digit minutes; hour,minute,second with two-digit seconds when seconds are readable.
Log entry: 4,47
